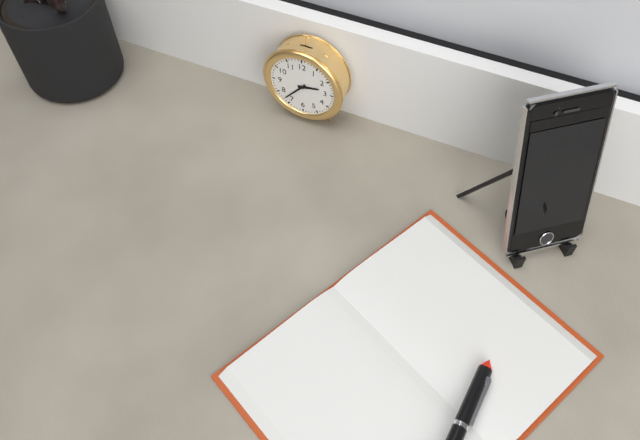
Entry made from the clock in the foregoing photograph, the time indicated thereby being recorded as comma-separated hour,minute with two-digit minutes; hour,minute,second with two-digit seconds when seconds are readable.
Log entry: 2,37
